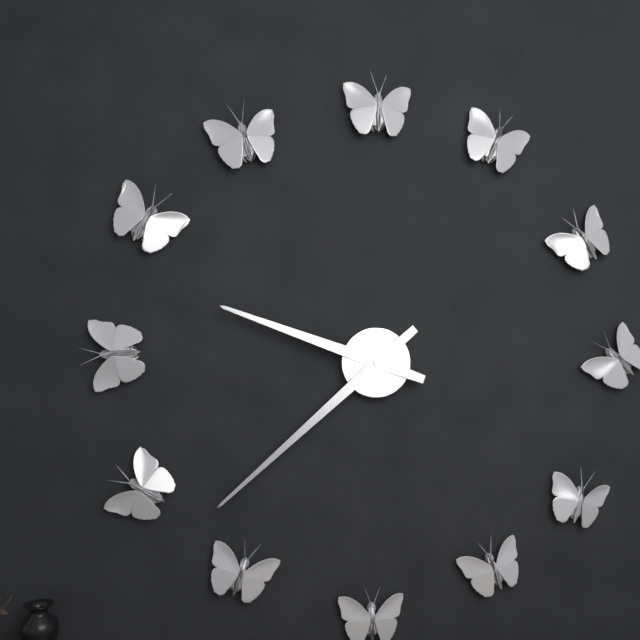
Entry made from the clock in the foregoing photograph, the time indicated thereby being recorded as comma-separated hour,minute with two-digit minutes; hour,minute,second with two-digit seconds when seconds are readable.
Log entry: 9,38
